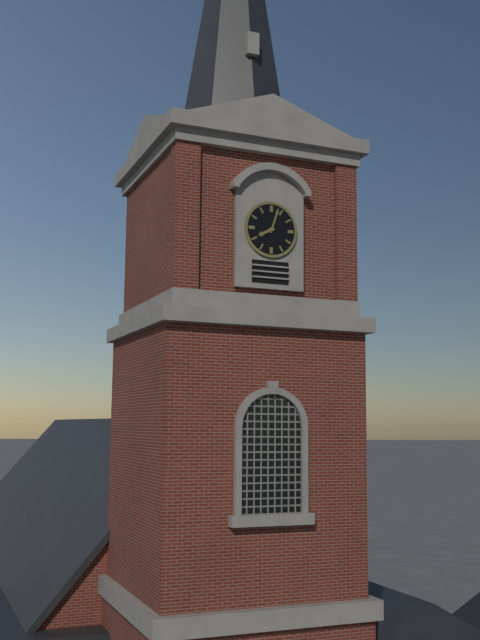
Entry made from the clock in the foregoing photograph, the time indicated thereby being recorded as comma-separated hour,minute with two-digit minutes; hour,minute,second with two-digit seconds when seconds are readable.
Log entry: 8,03
